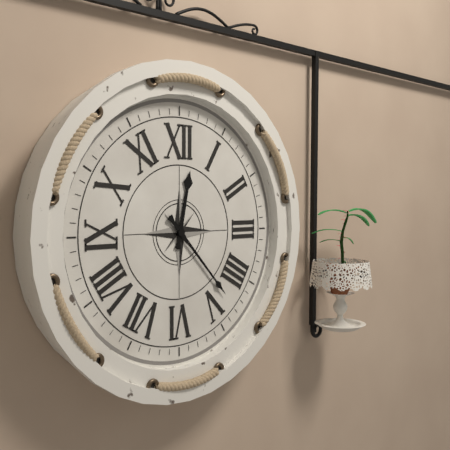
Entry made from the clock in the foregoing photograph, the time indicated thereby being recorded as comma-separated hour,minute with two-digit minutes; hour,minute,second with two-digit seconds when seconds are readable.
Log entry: 12,23
